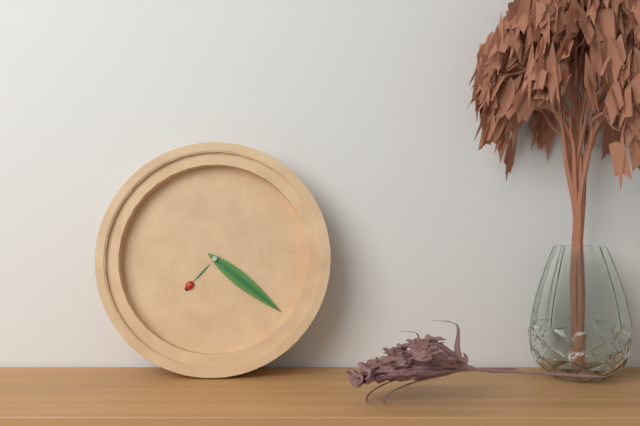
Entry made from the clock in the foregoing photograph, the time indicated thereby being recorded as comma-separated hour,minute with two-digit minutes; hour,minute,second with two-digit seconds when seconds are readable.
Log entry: 7,21
